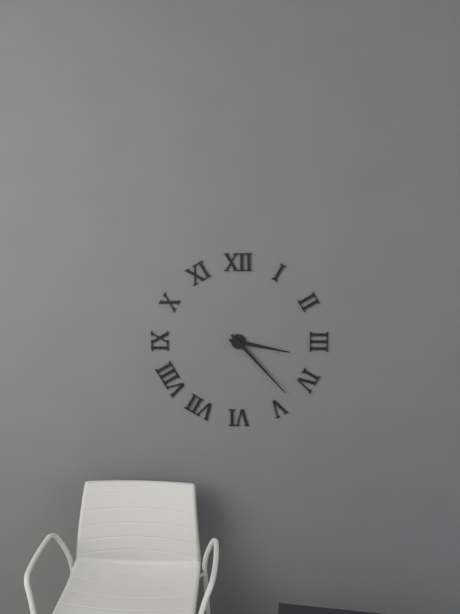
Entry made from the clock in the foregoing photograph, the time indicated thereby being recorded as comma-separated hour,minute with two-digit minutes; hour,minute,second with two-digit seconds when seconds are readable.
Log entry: 3,23
